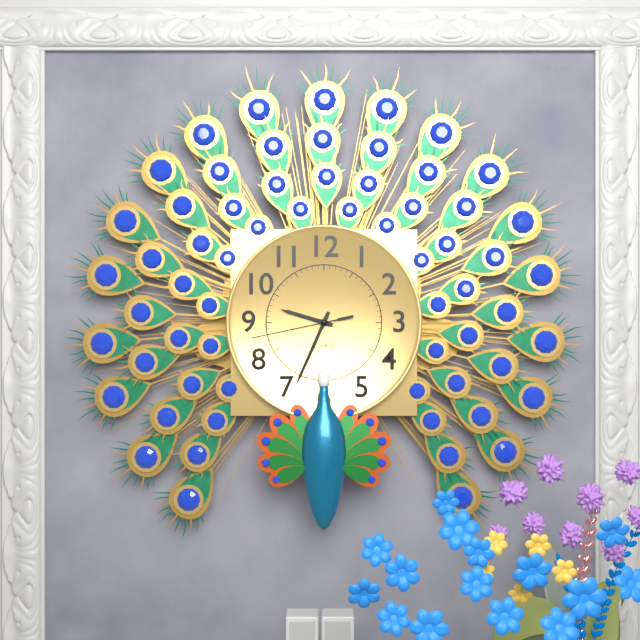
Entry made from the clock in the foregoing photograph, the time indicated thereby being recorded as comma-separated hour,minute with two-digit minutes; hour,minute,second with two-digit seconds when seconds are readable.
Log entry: 9,34,43
